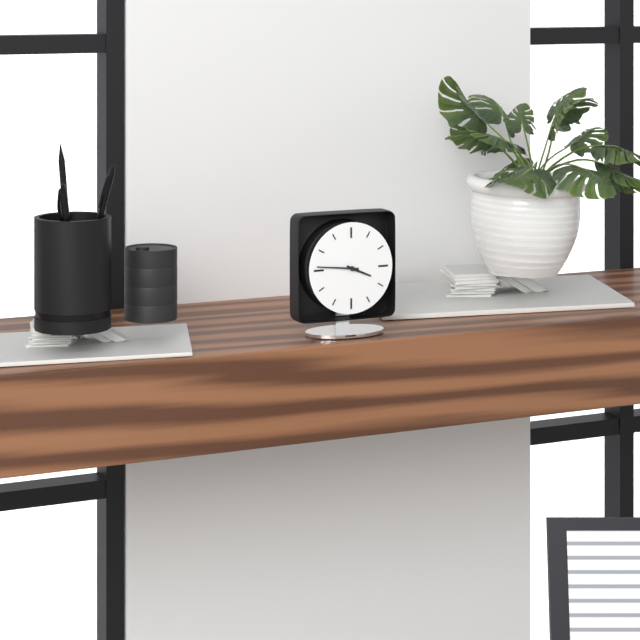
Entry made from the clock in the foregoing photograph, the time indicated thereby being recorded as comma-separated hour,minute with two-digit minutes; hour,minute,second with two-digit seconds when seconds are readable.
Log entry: 3,46
